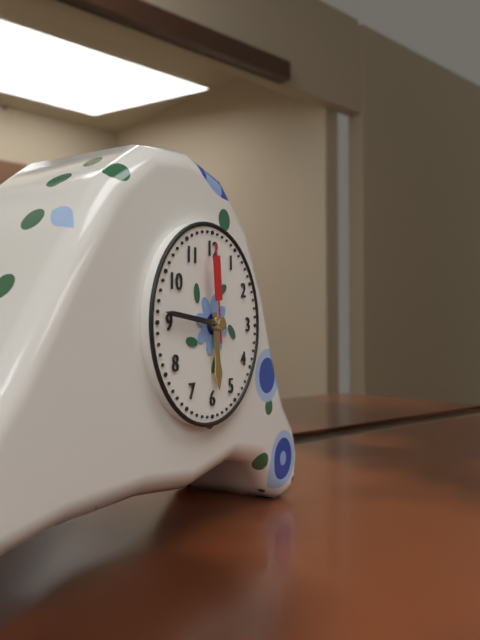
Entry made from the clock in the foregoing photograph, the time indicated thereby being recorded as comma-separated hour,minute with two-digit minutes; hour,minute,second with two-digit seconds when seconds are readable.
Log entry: 5,46,59
